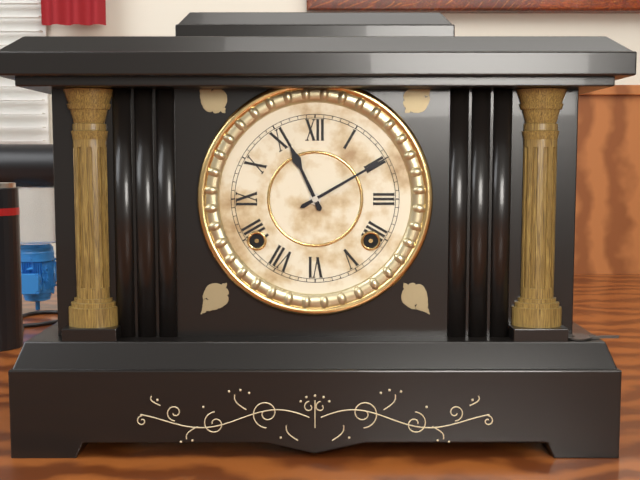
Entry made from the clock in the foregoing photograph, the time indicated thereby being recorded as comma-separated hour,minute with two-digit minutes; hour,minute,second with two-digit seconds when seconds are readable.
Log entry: 11,10
